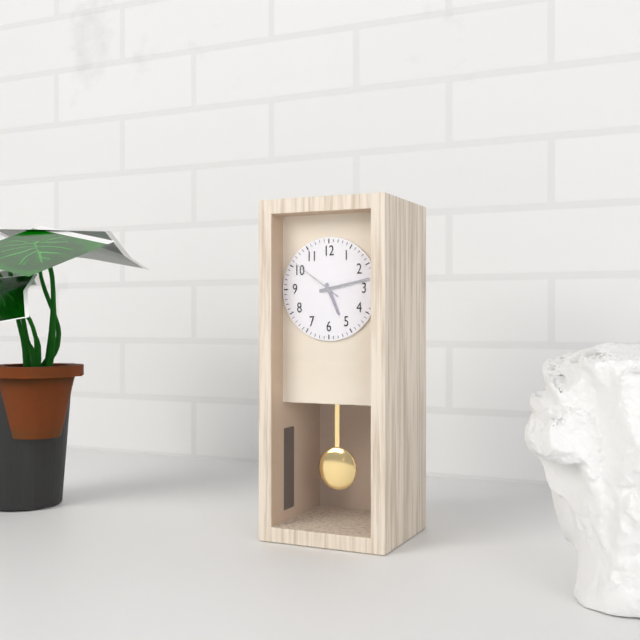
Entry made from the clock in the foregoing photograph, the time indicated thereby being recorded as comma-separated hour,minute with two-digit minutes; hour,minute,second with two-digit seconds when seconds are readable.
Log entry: 5,13,51
